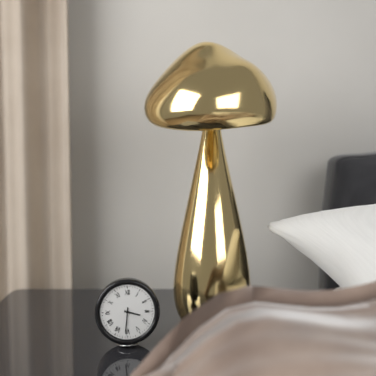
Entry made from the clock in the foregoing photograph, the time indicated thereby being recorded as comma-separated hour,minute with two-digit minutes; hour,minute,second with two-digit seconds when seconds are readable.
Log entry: 3,31
